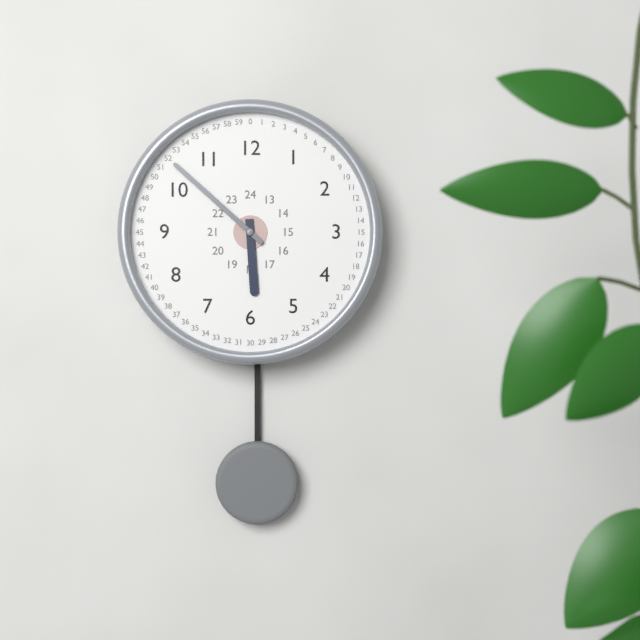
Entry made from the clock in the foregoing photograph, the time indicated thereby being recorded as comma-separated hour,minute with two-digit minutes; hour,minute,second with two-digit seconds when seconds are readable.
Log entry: 5,52
